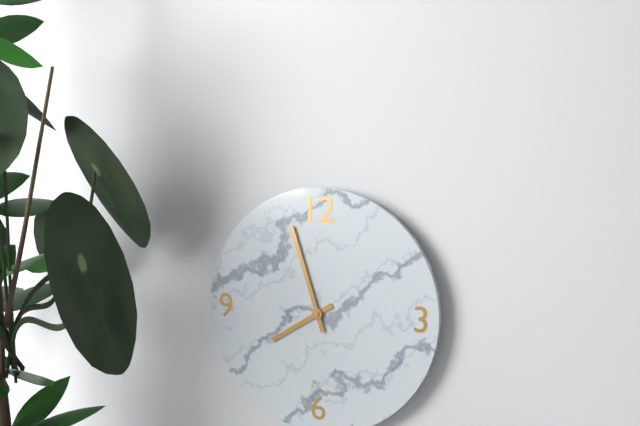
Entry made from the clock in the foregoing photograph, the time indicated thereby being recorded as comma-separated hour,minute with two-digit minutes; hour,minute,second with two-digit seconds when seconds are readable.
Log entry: 7,57
